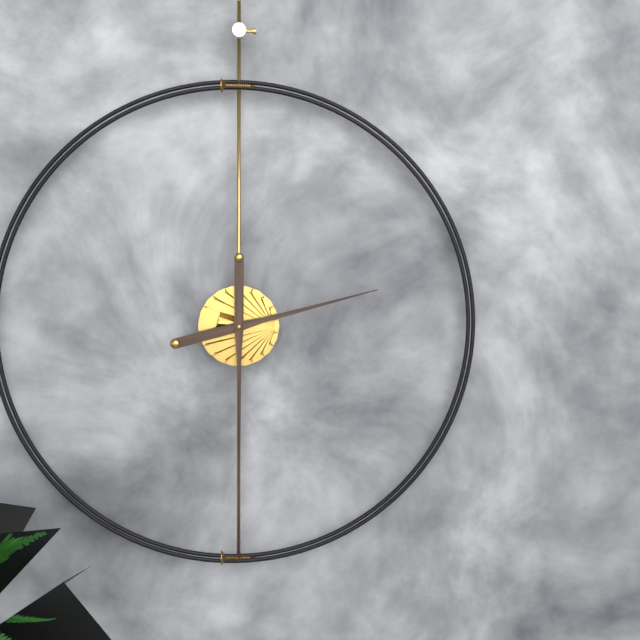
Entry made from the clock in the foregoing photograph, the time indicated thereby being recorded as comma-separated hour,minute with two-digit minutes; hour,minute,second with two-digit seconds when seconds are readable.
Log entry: 2,30
